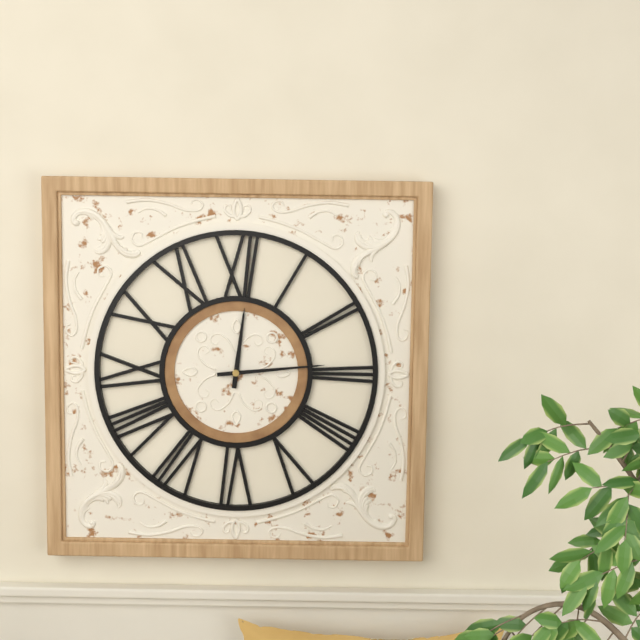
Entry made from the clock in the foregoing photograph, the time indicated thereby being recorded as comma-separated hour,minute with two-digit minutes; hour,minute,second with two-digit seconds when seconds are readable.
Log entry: 12,14
